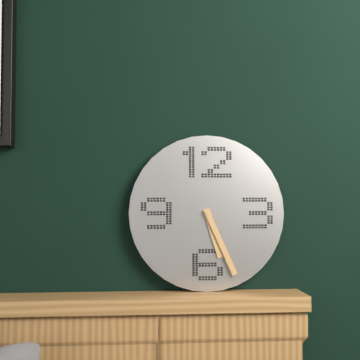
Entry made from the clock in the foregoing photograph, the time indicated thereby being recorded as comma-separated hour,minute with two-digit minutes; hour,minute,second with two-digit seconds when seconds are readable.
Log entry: 5,26
